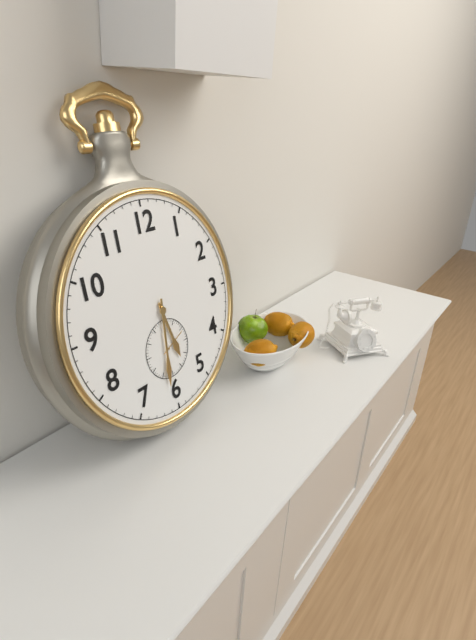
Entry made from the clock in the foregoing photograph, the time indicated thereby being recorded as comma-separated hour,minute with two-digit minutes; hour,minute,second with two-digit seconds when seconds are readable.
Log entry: 5,31
